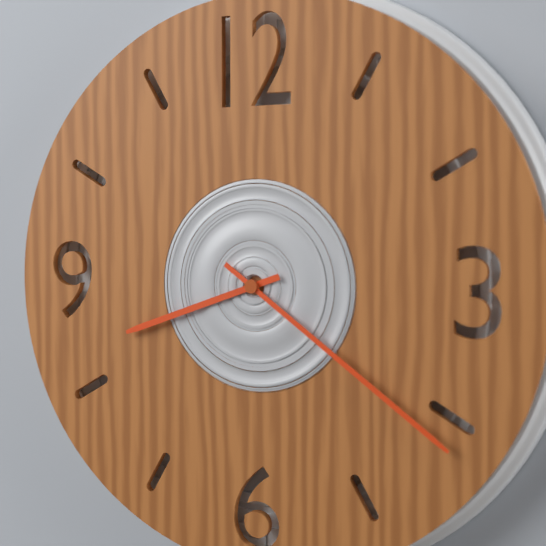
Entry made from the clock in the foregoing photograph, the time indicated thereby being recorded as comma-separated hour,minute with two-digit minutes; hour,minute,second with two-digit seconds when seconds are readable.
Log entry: 8,21
